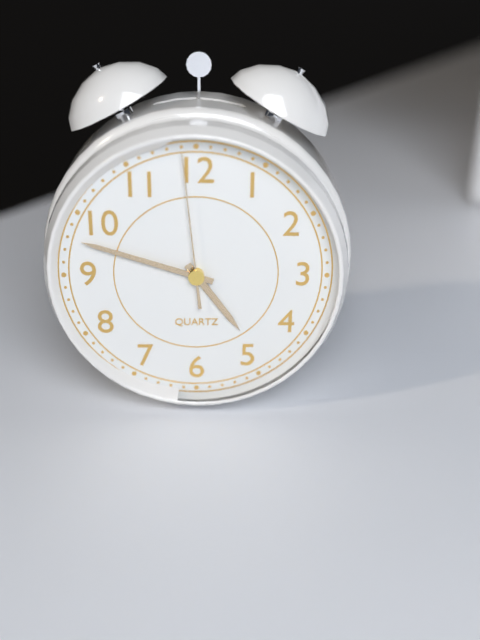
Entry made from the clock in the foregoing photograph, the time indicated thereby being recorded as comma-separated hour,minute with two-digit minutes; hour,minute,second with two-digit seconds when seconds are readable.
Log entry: 4,48,59
